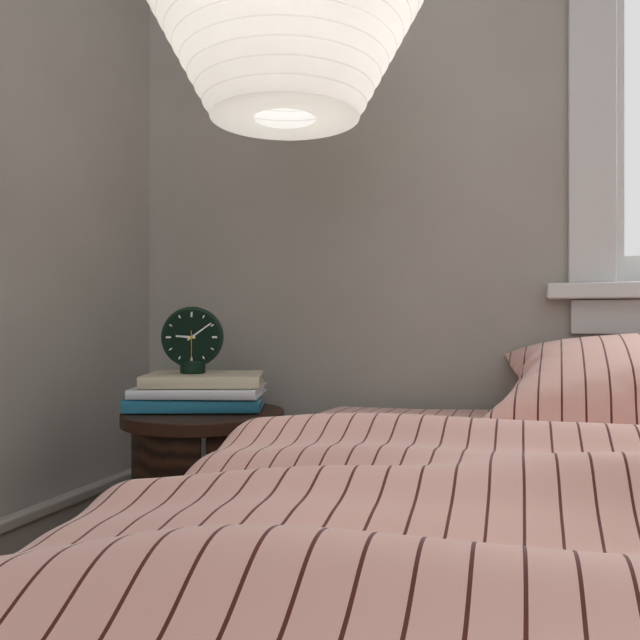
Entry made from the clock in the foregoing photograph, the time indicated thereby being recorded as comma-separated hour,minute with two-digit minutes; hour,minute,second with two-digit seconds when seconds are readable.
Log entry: 9,09
